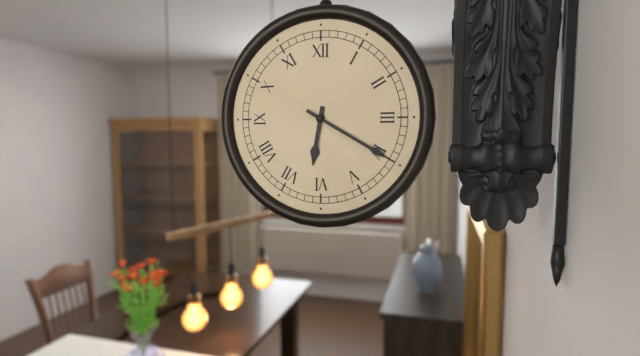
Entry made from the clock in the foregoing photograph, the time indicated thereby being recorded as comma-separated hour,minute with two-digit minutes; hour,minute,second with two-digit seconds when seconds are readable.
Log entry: 6,20
